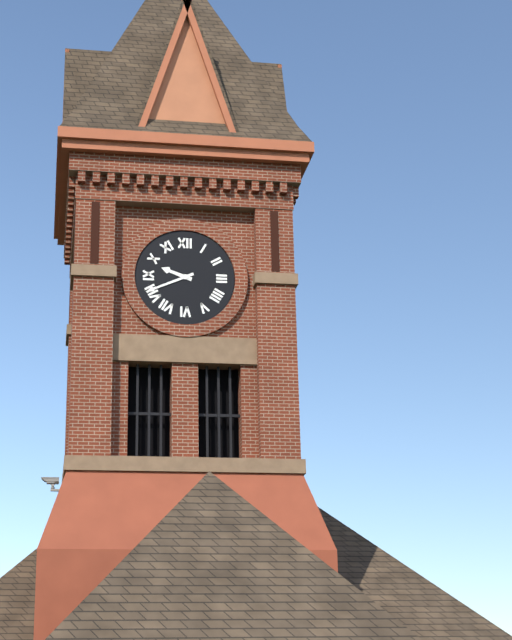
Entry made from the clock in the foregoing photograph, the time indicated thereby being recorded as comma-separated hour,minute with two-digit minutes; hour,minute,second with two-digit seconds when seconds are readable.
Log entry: 9,41
